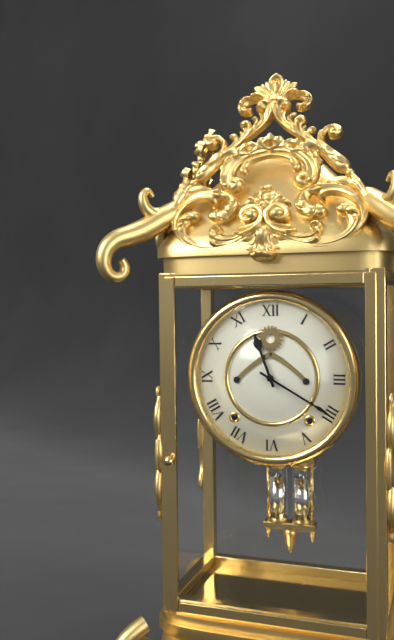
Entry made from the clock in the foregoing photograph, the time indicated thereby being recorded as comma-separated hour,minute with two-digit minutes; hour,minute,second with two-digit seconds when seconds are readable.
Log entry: 11,20
